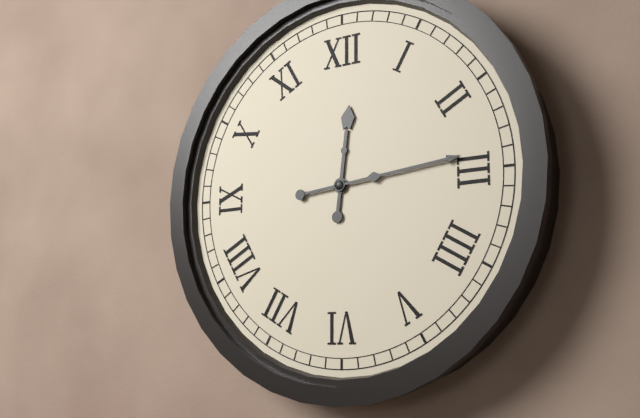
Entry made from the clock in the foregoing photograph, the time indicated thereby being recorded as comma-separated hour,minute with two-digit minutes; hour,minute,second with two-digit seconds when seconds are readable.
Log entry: 12,14
